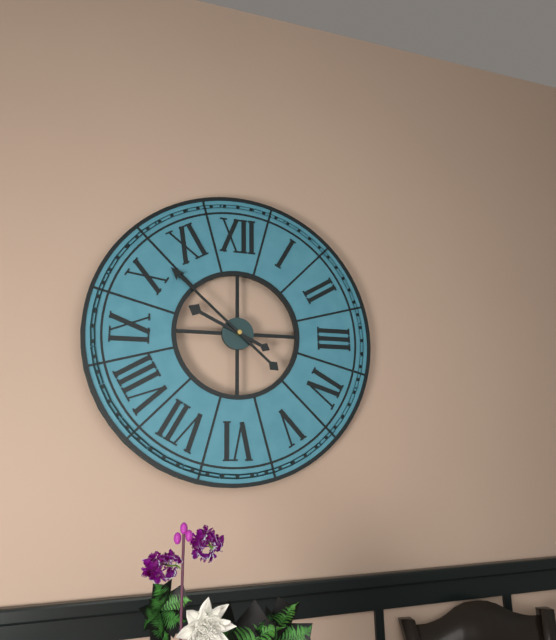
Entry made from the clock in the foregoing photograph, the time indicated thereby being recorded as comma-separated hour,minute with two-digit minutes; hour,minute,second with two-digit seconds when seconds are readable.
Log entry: 9,52
